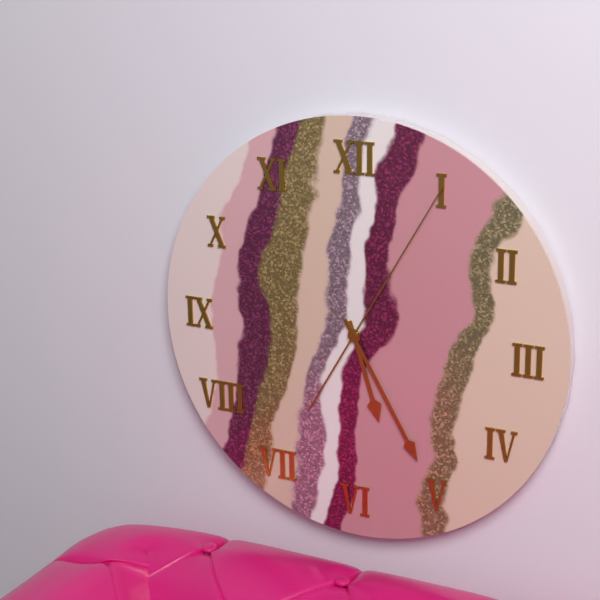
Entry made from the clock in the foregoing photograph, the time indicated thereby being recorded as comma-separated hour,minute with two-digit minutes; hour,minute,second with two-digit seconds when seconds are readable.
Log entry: 5,25,05
